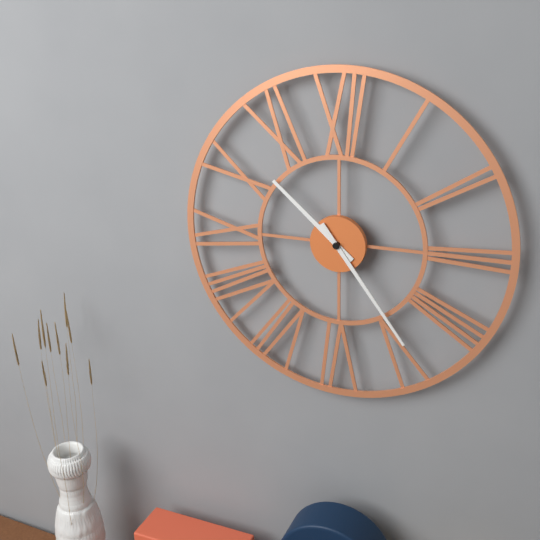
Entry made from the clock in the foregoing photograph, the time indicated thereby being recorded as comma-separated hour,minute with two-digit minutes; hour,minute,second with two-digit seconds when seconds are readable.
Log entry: 10,24
